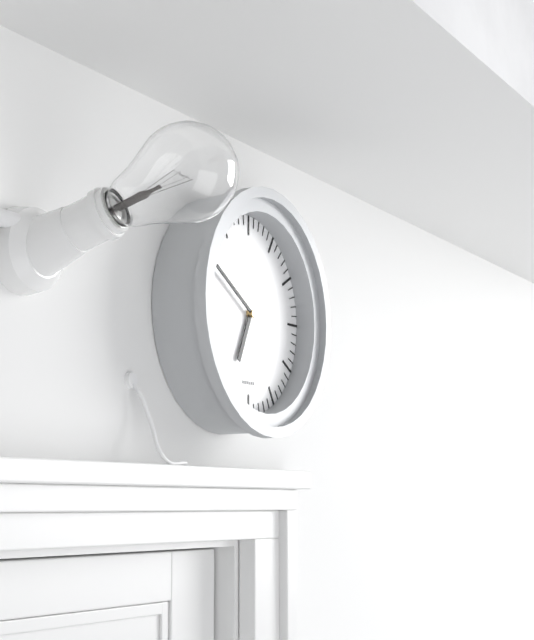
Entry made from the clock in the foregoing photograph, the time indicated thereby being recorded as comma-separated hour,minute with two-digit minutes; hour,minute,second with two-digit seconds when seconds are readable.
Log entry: 6,50
